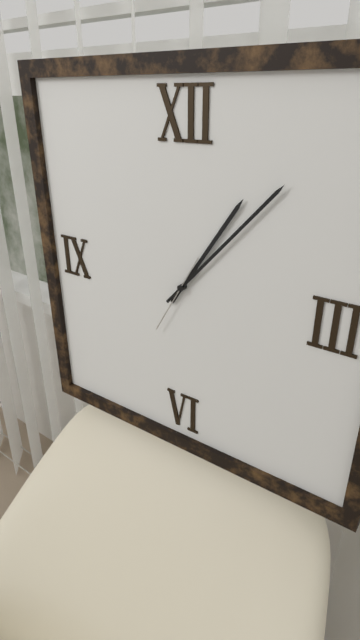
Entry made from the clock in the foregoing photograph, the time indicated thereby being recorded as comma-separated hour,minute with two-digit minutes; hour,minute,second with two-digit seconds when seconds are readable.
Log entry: 1,07,35
